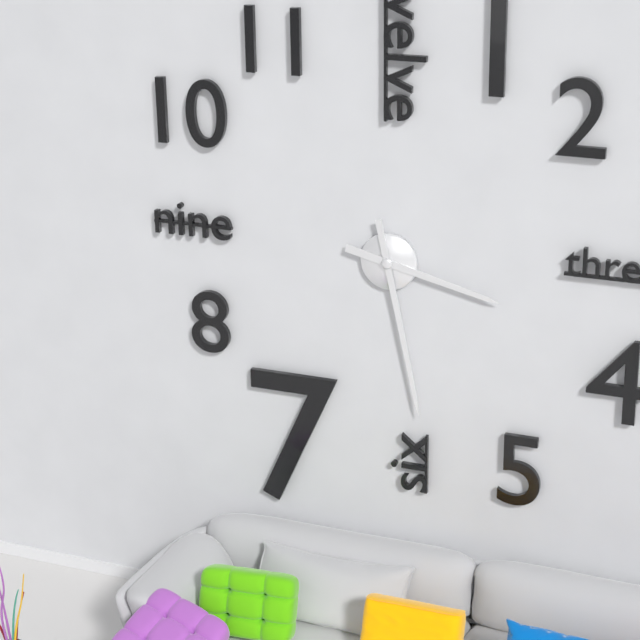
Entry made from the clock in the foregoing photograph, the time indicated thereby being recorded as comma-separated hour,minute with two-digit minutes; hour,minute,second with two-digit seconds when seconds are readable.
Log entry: 3,28
